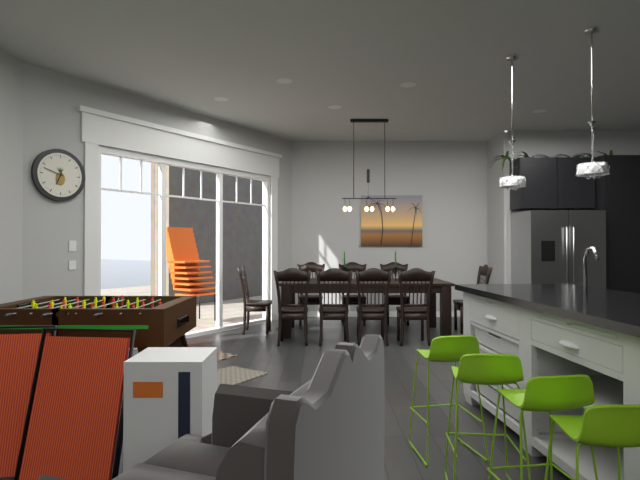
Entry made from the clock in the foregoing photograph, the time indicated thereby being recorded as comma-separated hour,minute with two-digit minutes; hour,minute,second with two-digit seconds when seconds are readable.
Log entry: 6,48
